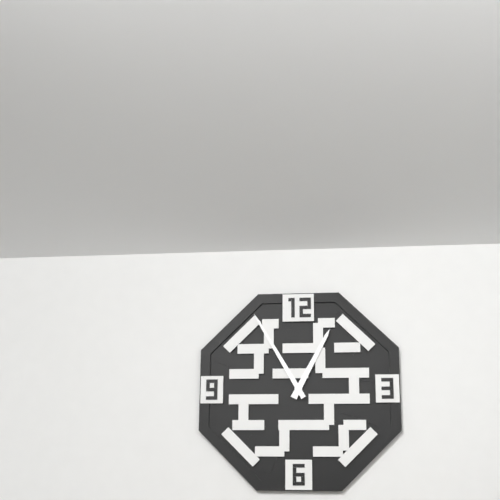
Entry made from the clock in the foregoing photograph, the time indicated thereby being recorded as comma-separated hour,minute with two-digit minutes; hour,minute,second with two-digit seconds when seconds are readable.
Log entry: 12,55
